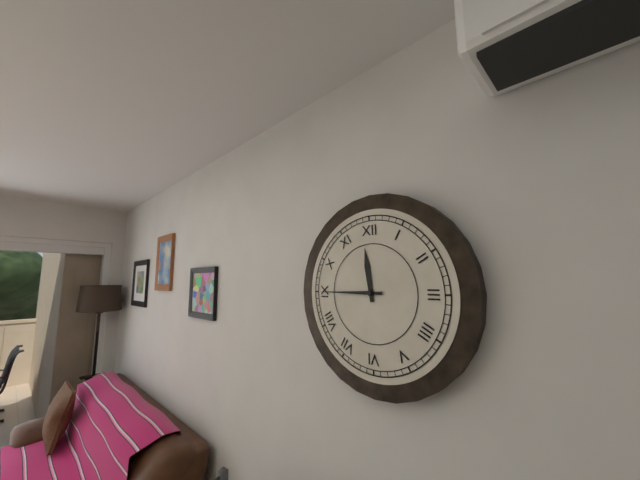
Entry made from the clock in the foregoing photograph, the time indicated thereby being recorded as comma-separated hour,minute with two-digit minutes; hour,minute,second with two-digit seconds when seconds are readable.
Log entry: 11,45
